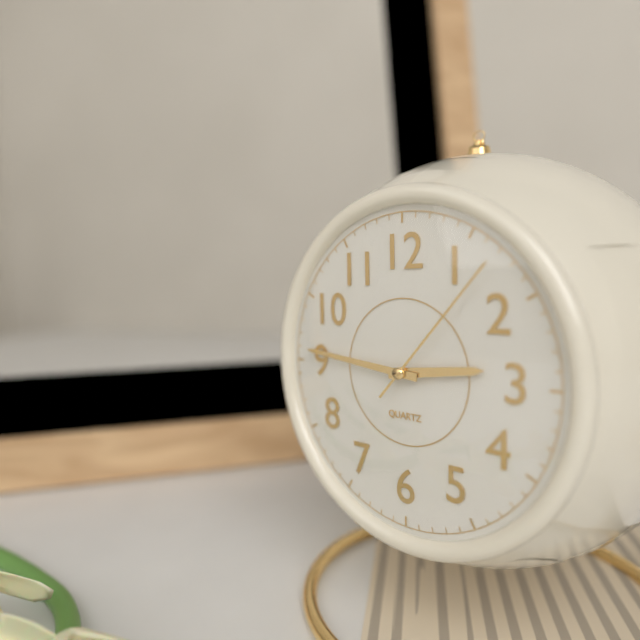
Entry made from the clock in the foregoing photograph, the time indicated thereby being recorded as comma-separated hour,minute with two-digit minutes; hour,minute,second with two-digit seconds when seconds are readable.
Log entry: 2,46,07
